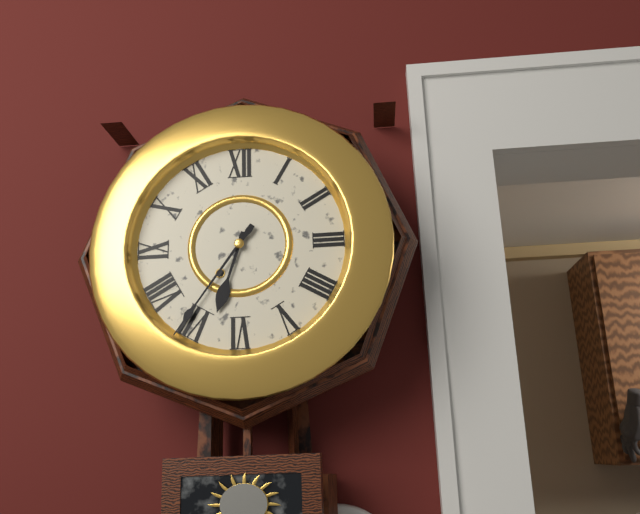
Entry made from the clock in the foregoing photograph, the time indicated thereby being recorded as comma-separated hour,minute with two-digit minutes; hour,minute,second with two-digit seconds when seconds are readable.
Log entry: 6,36
